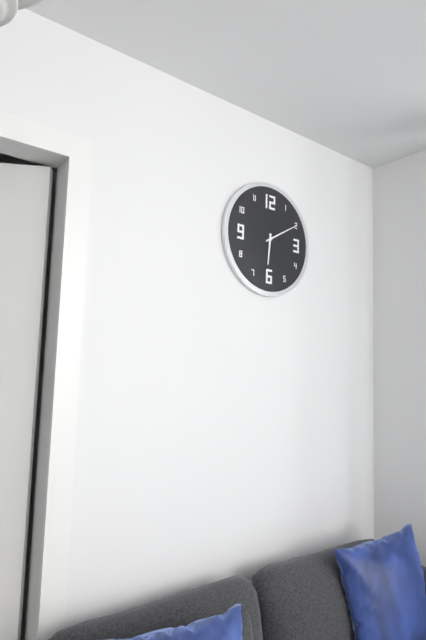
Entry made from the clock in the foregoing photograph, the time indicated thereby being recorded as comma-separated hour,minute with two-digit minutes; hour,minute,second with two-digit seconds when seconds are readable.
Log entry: 6,10
